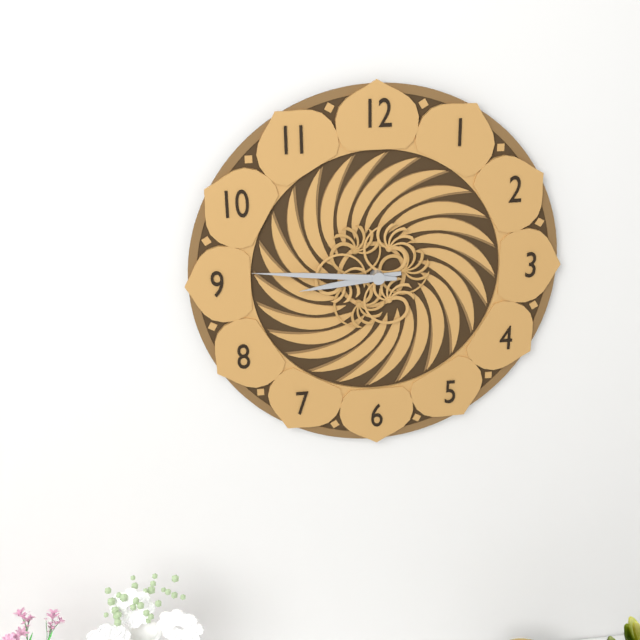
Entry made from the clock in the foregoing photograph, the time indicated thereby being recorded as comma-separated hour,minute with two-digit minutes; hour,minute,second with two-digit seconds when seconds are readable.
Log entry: 8,46
